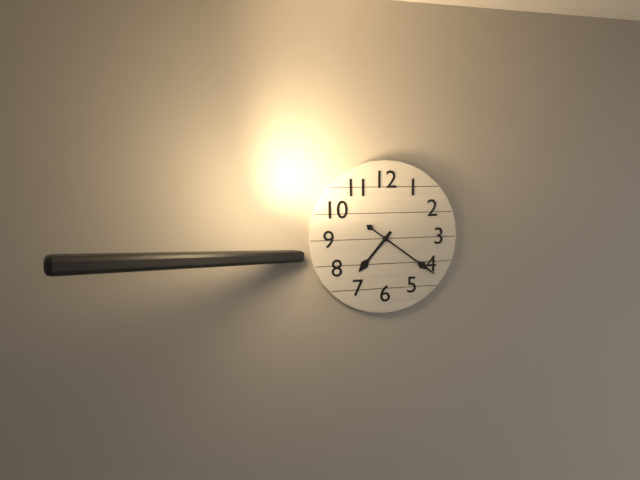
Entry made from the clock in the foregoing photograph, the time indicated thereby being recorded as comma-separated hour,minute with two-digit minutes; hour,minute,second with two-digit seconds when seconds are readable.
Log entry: 7,21
